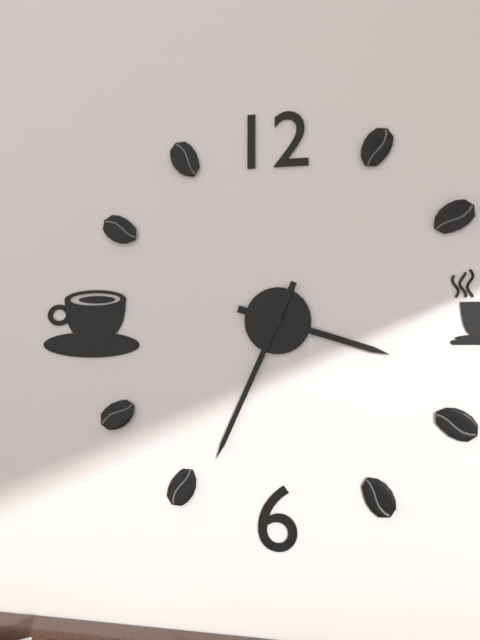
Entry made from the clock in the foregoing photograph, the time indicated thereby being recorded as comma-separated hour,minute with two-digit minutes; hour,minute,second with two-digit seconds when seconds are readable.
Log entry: 3,34
